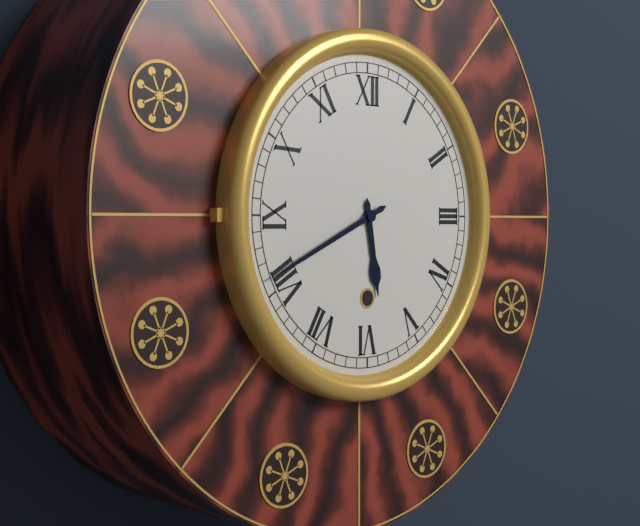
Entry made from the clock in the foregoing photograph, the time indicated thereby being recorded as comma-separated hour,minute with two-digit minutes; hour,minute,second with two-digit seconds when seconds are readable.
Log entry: 5,41
